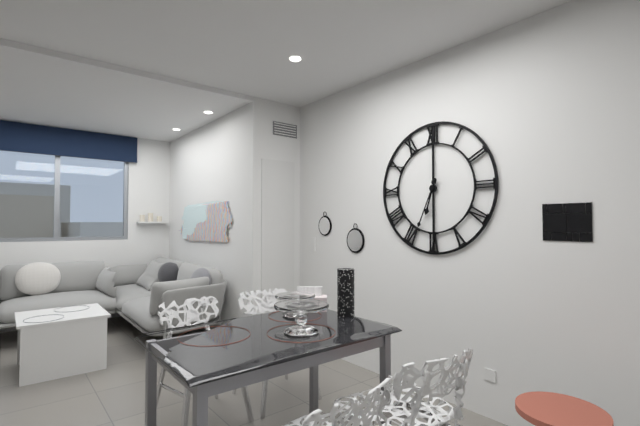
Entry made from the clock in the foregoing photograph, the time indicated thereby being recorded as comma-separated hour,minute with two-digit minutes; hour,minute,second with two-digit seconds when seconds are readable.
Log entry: 6,34
